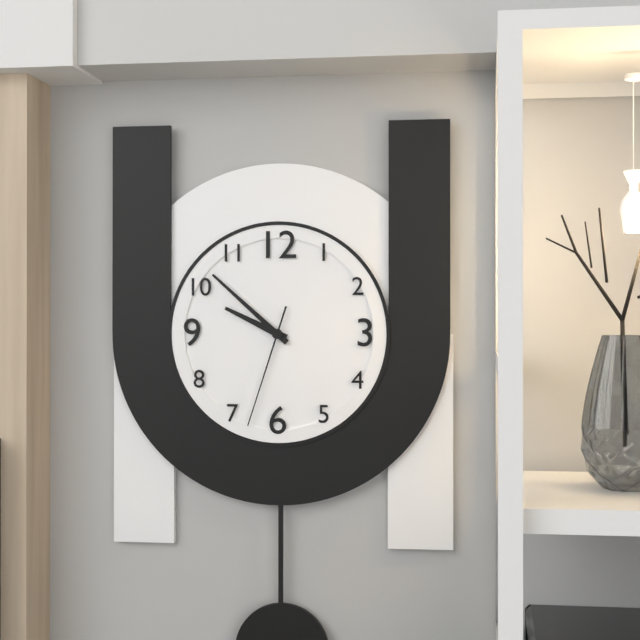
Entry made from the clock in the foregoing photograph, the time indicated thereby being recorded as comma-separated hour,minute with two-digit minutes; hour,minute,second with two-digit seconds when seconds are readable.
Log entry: 9,52,33
